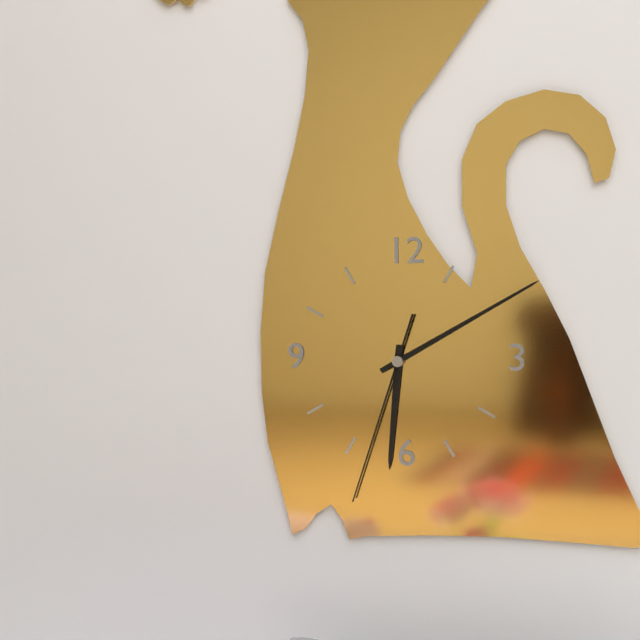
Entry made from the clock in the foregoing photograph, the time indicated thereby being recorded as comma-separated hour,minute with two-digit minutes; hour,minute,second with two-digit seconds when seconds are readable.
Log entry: 6,10,33
